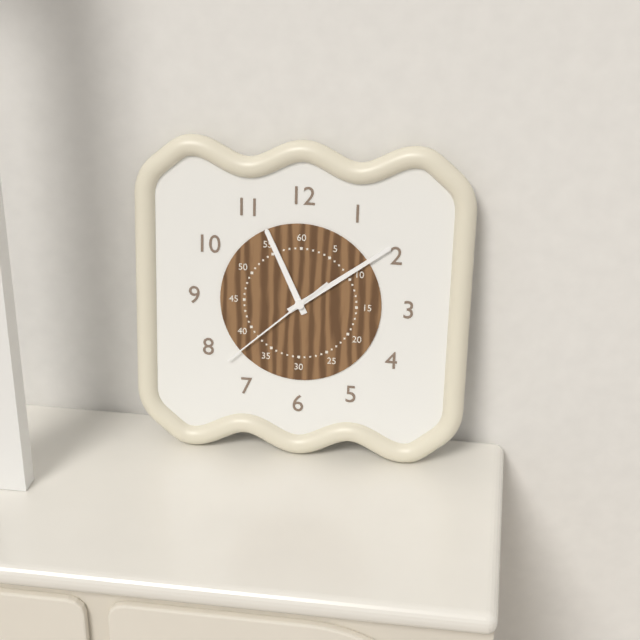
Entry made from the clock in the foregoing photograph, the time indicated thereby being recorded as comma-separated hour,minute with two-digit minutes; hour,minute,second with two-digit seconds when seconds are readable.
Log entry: 11,09,38
